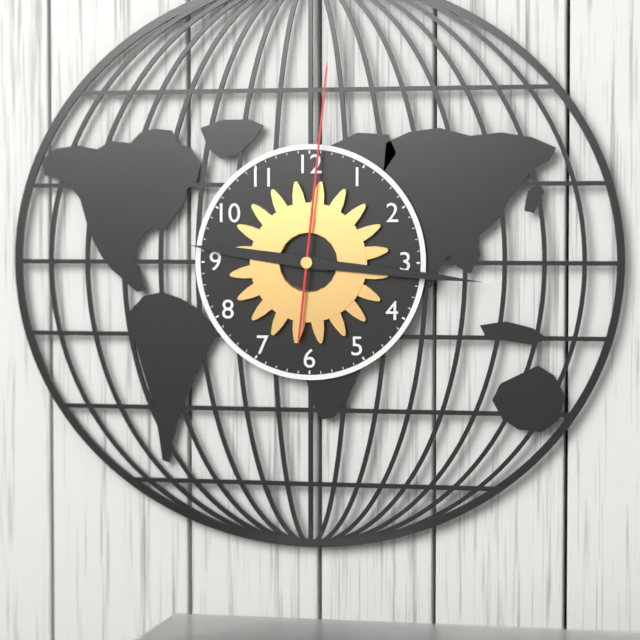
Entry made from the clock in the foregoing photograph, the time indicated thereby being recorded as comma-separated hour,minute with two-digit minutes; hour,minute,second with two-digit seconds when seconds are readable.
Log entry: 9,16,01
